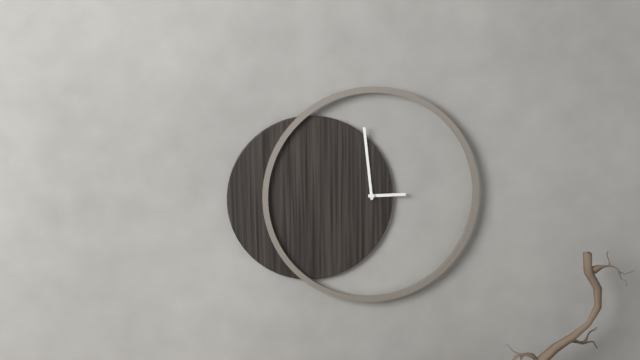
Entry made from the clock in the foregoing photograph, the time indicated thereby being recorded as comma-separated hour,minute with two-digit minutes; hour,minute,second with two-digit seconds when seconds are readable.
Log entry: 2,59
